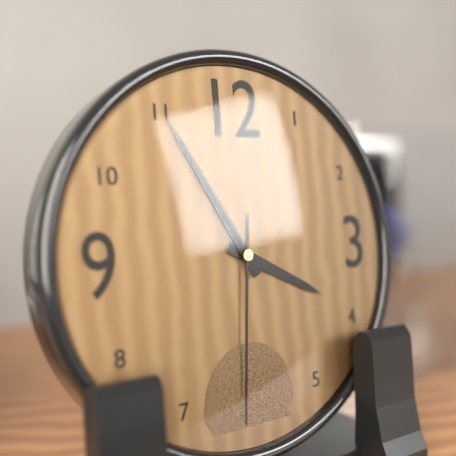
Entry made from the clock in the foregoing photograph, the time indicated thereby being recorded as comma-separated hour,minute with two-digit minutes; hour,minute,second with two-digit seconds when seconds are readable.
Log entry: 3,55,31
